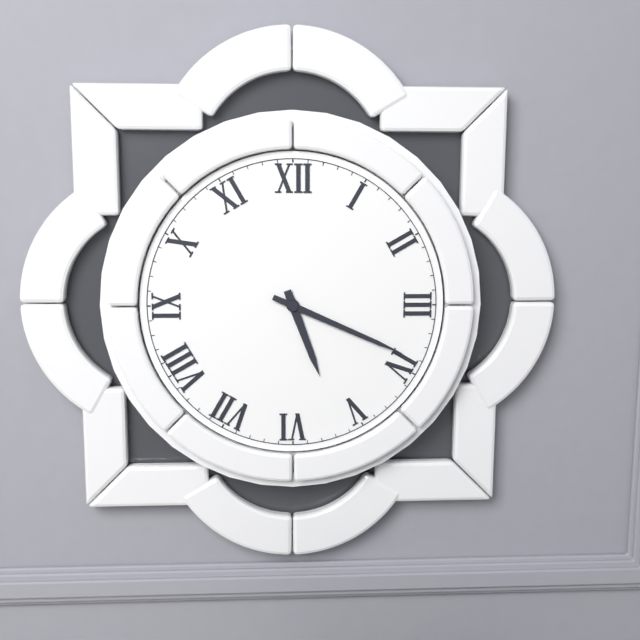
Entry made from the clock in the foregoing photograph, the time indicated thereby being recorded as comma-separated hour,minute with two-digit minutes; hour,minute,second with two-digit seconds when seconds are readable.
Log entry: 5,19
